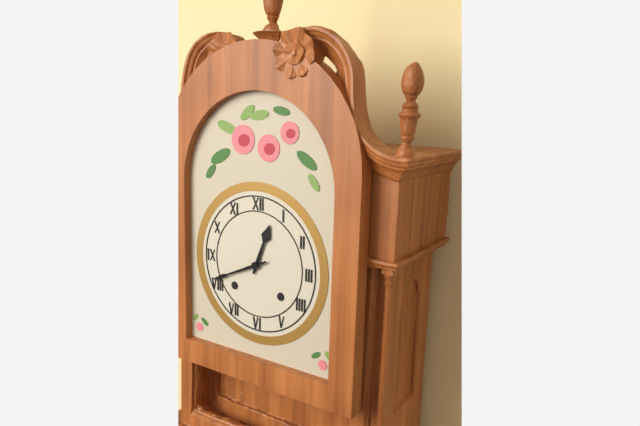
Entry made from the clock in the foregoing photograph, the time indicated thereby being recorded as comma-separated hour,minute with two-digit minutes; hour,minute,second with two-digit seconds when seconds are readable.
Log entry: 12,41
